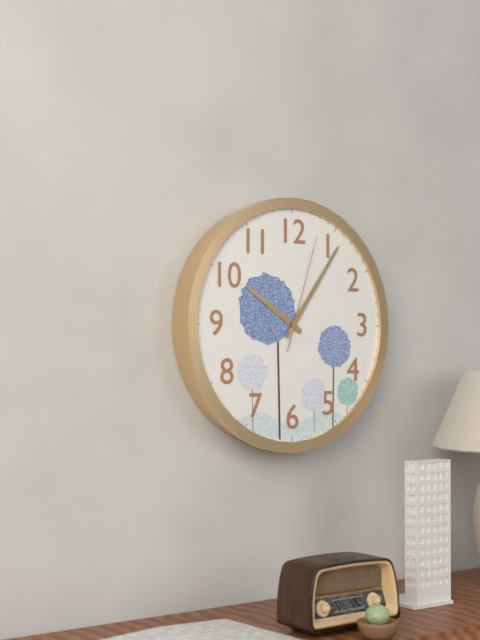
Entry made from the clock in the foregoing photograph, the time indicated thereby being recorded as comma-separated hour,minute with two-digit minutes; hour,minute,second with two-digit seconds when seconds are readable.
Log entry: 10,06,03
